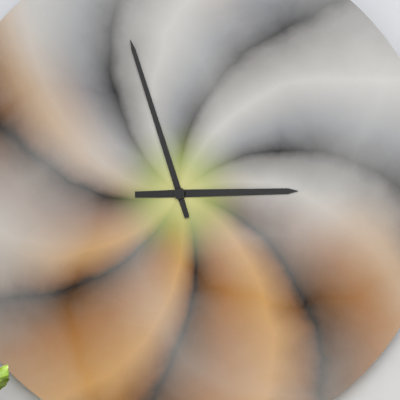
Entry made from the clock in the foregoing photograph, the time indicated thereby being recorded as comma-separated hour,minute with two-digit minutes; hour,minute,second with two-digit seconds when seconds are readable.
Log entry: 2,57
